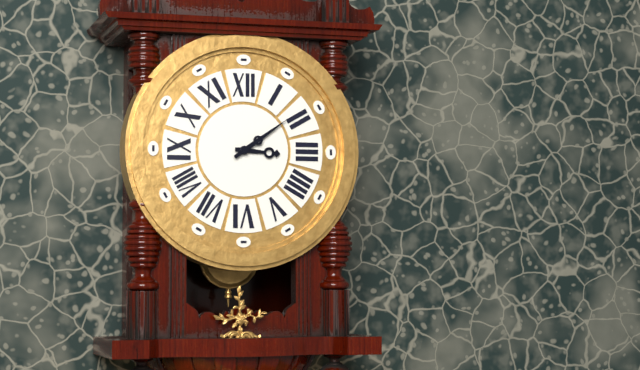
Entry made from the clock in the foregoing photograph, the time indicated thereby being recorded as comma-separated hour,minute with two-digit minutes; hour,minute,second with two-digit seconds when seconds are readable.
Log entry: 3,09
